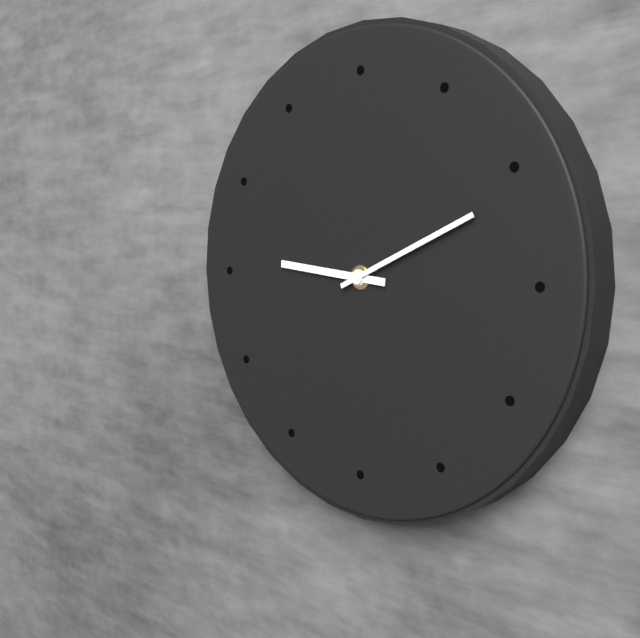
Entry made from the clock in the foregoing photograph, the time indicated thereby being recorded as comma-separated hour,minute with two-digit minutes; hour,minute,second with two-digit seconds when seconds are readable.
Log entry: 9,11
